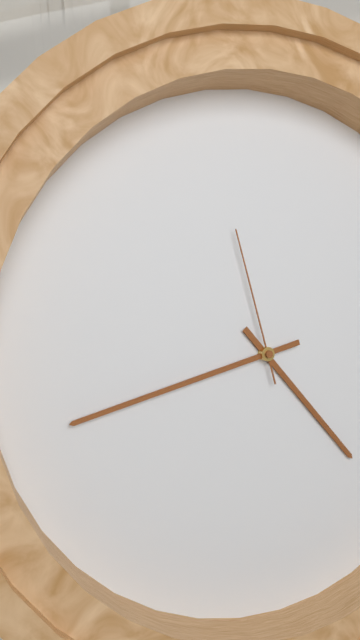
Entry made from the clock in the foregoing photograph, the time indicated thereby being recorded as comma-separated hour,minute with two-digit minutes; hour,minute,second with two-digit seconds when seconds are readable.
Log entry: 4,43,58
